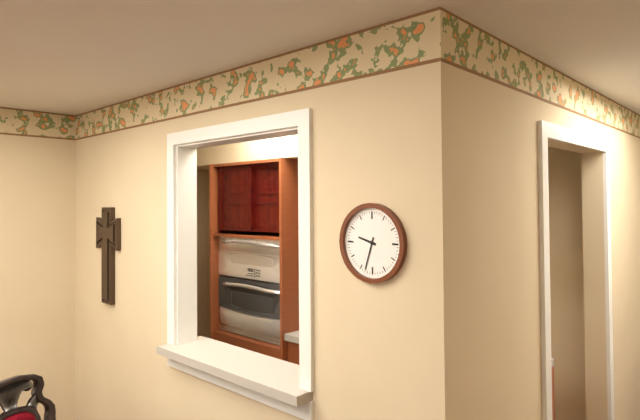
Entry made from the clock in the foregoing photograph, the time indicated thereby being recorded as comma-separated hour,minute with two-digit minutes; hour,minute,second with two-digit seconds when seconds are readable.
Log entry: 9,33
